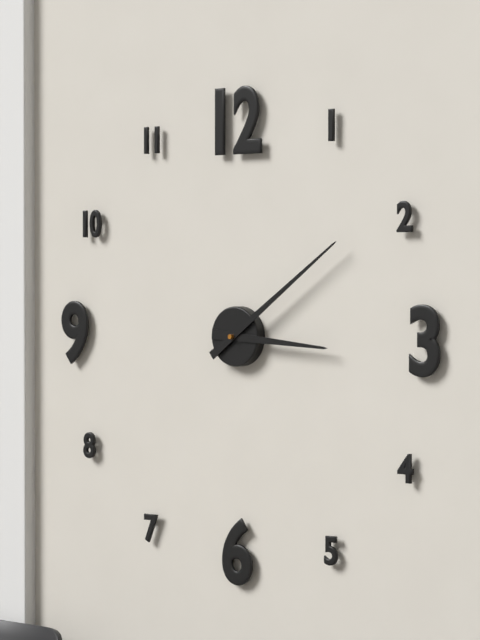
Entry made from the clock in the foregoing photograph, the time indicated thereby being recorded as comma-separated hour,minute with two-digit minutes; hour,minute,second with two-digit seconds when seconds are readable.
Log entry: 3,09
